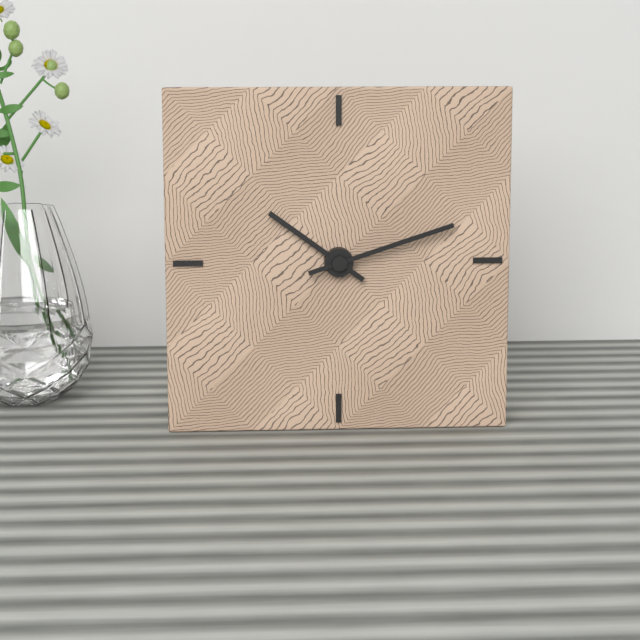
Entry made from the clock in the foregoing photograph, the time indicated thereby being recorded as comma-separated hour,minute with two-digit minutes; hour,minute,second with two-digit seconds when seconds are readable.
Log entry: 10,12
